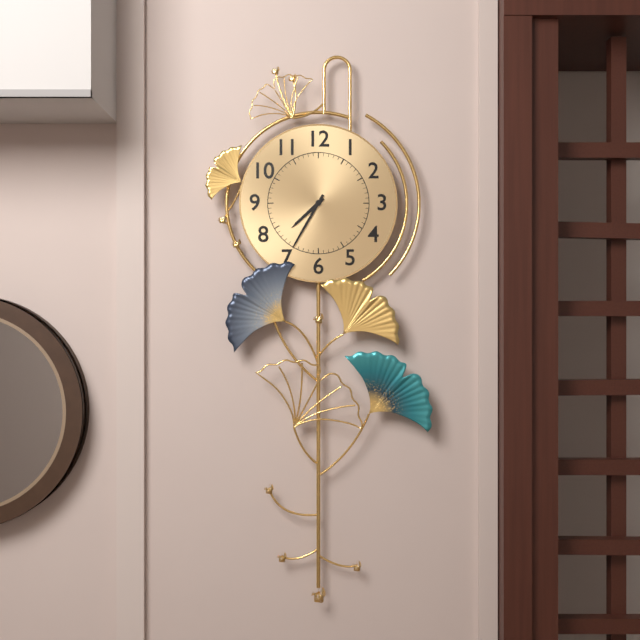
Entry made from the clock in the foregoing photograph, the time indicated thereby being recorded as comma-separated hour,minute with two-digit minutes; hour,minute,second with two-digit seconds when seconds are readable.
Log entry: 7,35
